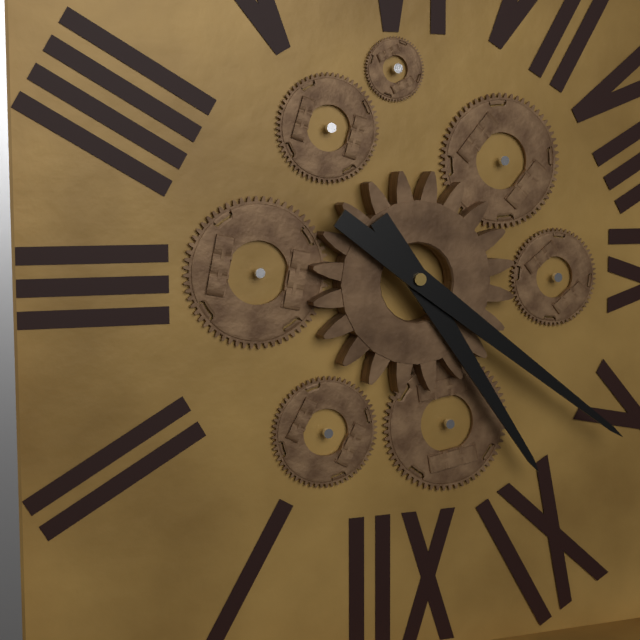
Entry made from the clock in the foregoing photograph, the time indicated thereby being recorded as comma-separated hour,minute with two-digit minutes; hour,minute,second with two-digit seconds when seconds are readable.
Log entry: 10,51
